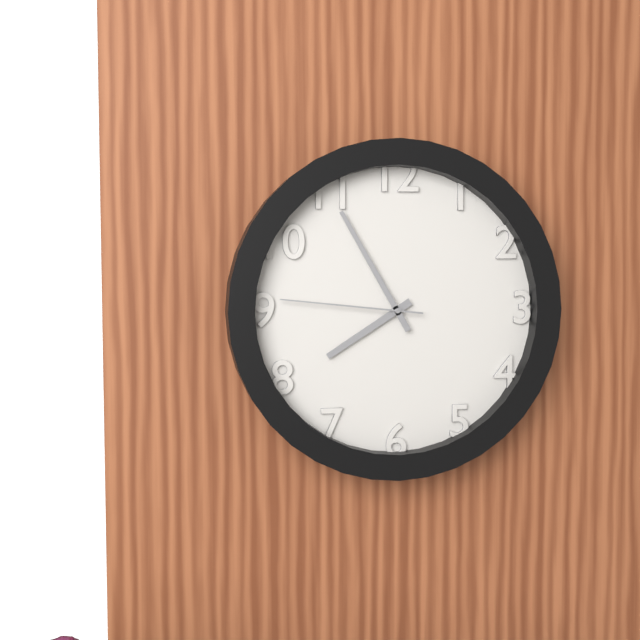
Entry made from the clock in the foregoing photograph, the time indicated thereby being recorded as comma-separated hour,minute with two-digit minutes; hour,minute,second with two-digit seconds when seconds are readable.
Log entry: 7,55,46
